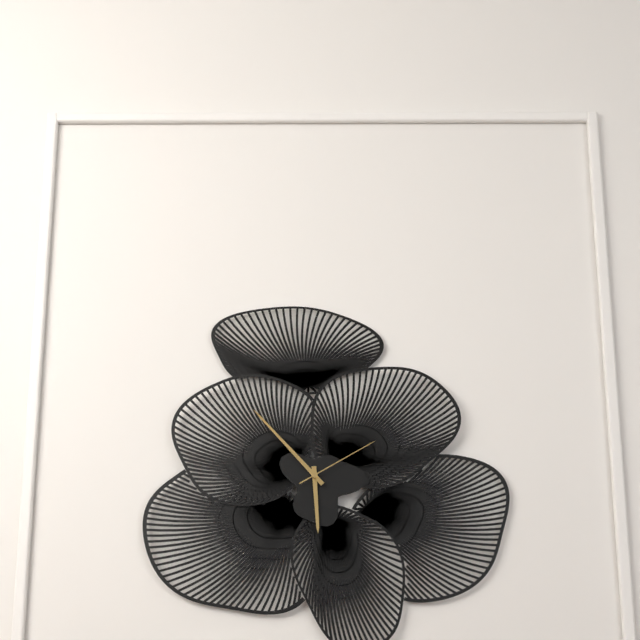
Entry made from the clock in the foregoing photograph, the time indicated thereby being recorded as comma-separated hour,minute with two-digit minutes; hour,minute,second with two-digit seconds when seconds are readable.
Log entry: 5,53,10
